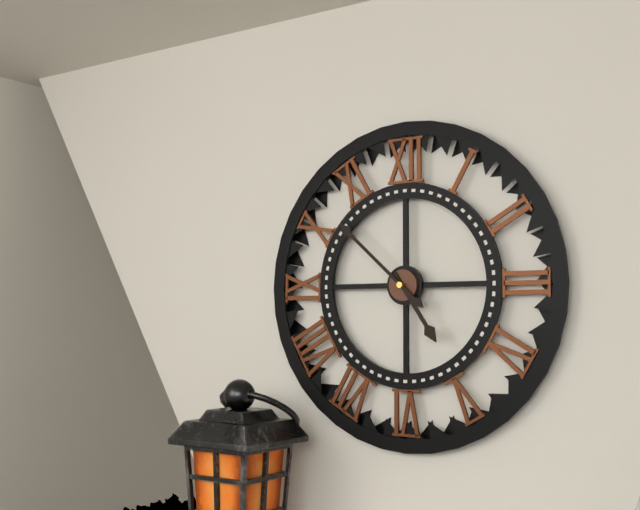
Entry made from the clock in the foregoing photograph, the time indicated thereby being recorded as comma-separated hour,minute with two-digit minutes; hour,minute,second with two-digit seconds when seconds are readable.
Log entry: 4,52
